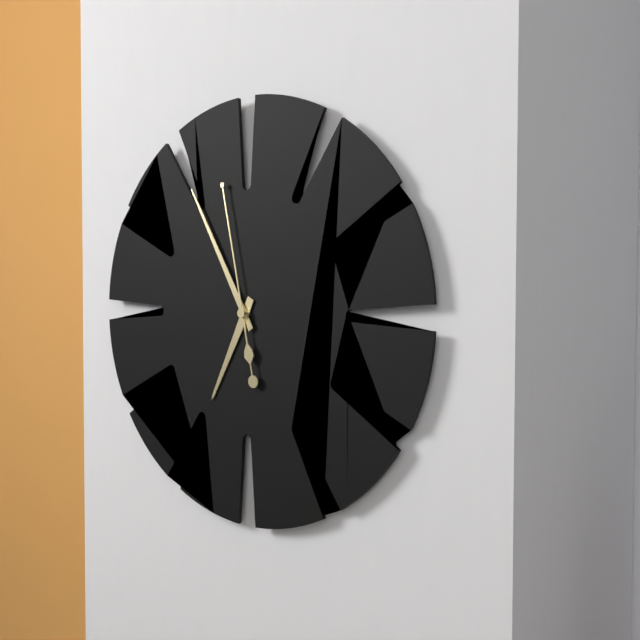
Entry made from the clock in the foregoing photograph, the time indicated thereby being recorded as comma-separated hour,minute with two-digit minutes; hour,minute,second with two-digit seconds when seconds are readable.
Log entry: 6,55,58
